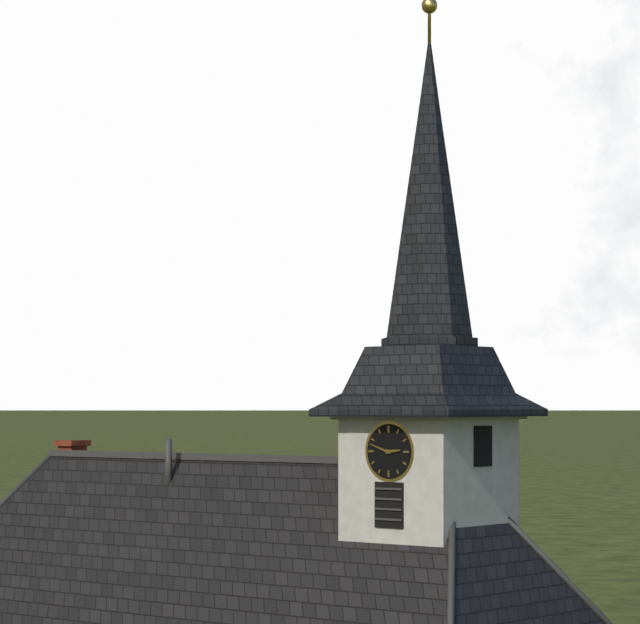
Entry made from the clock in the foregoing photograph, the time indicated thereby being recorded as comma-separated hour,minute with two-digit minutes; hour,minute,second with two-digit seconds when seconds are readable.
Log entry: 2,48
